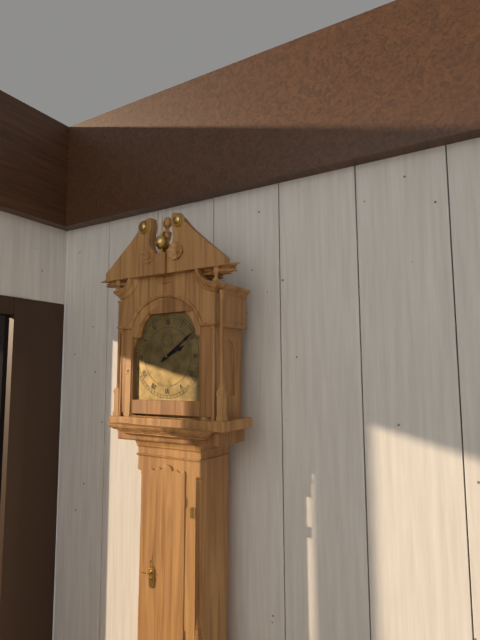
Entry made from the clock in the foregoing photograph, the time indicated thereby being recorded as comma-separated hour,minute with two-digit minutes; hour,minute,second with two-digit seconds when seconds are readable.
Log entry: 2,09
